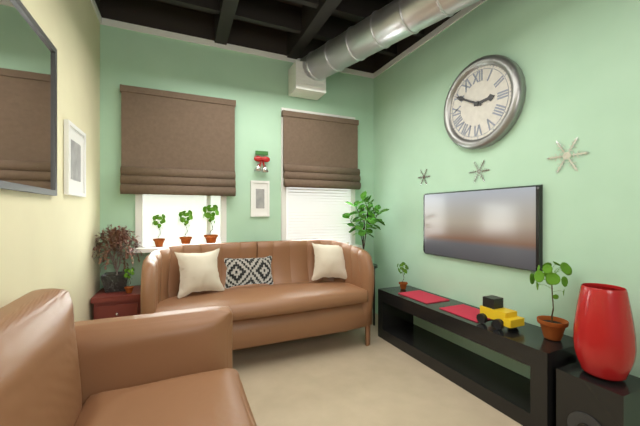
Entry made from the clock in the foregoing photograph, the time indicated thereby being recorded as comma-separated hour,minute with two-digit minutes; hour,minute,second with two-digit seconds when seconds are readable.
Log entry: 2,50
